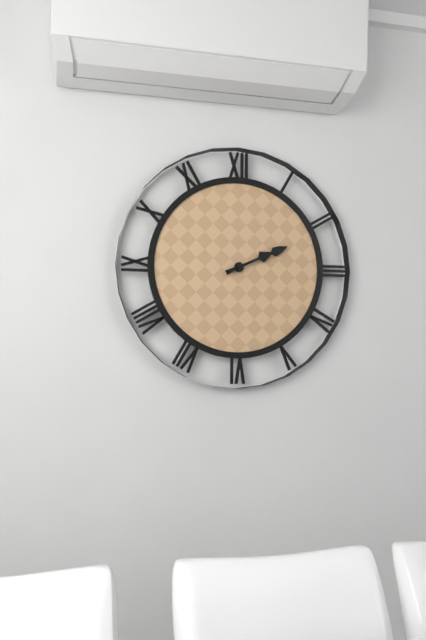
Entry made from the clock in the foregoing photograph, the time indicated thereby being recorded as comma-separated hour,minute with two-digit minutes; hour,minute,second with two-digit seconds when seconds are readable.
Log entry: 2,11
